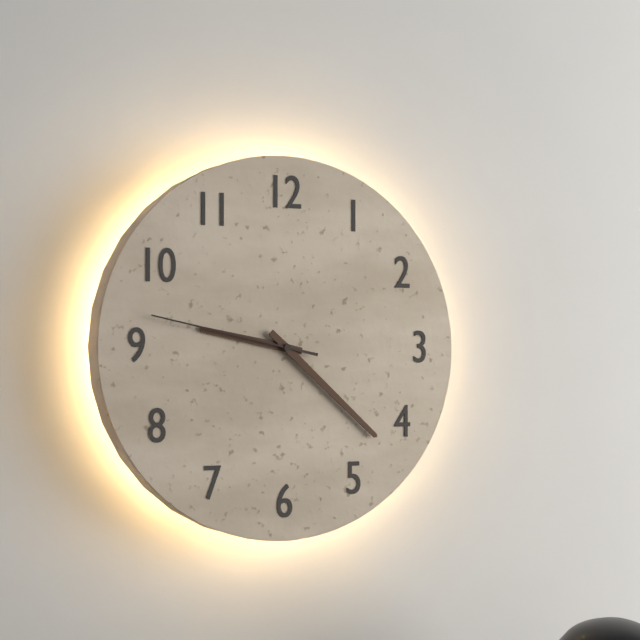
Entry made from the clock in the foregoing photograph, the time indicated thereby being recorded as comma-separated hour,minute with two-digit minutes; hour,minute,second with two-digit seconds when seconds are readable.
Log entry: 9,22,47
